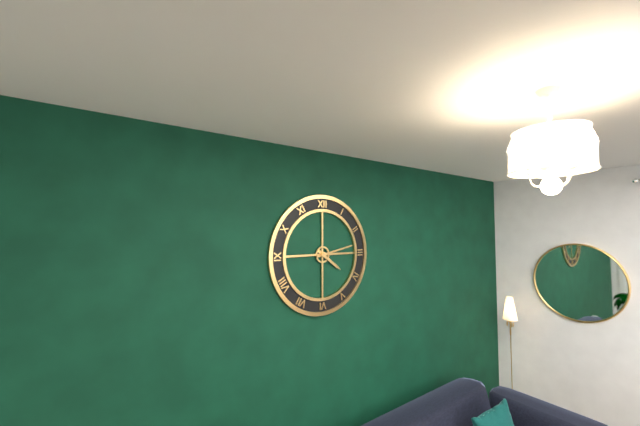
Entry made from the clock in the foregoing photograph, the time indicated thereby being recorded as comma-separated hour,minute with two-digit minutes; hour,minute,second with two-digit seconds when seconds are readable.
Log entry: 4,13
